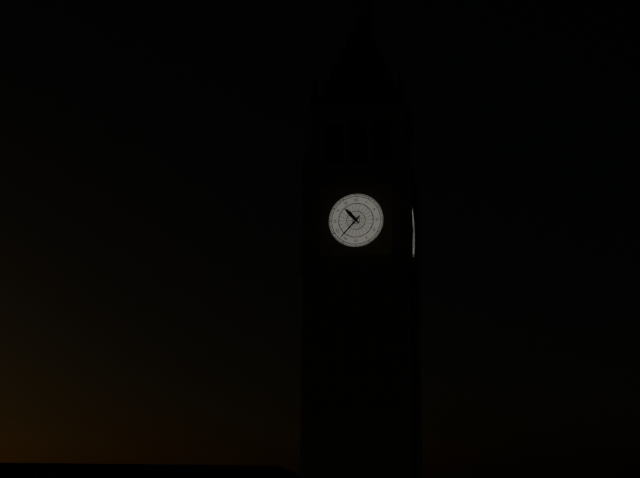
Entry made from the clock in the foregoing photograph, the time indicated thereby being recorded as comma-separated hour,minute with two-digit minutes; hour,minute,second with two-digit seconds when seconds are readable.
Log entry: 10,37
